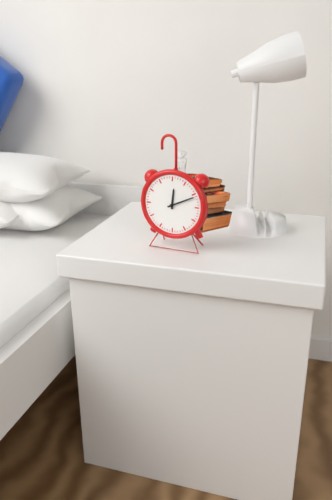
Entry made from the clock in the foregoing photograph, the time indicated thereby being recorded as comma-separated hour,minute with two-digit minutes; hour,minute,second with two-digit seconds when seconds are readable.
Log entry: 12,11
